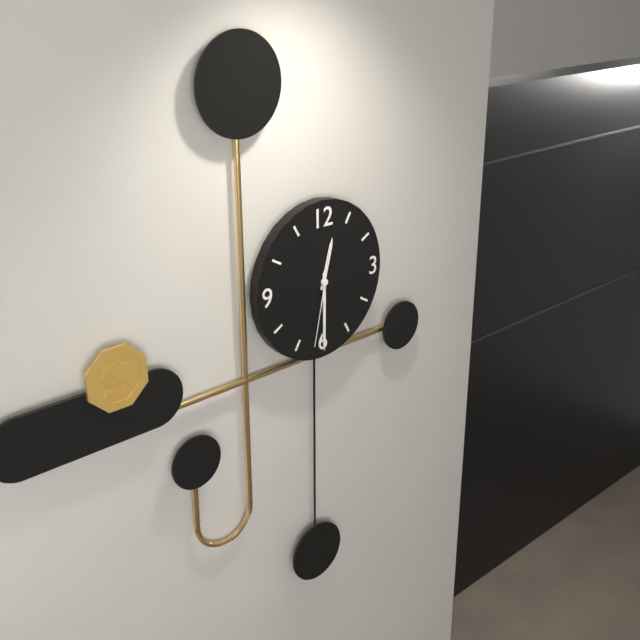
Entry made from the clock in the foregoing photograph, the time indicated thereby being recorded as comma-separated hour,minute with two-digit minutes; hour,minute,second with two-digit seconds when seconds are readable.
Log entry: 12,30,32
